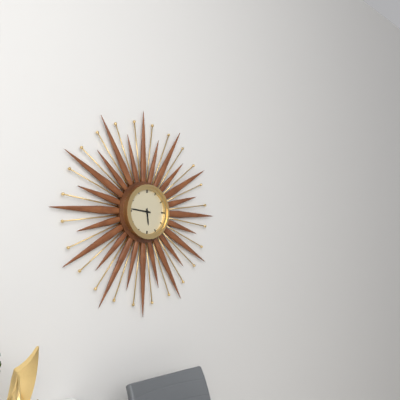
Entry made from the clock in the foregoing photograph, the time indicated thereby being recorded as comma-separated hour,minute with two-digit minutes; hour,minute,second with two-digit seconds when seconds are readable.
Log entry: 5,46
